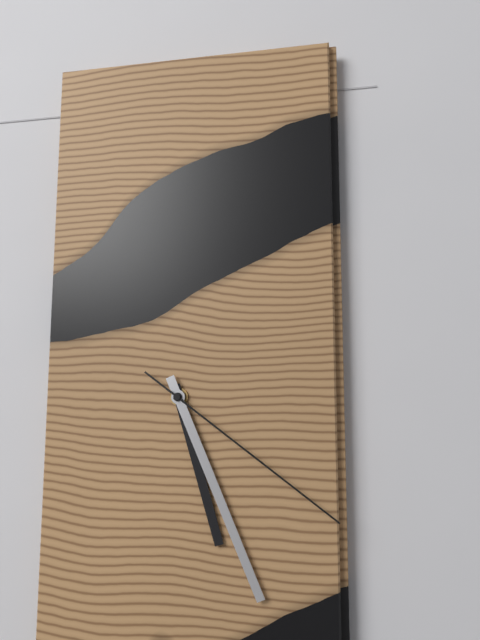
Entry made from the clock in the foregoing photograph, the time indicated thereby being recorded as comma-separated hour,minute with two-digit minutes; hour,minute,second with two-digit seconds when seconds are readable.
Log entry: 5,26,21
